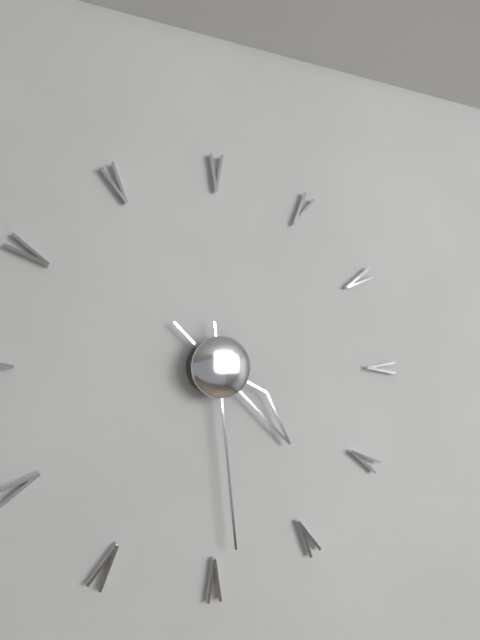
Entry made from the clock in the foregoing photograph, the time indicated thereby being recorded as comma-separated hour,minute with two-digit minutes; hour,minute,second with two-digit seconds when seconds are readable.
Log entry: 4,29
